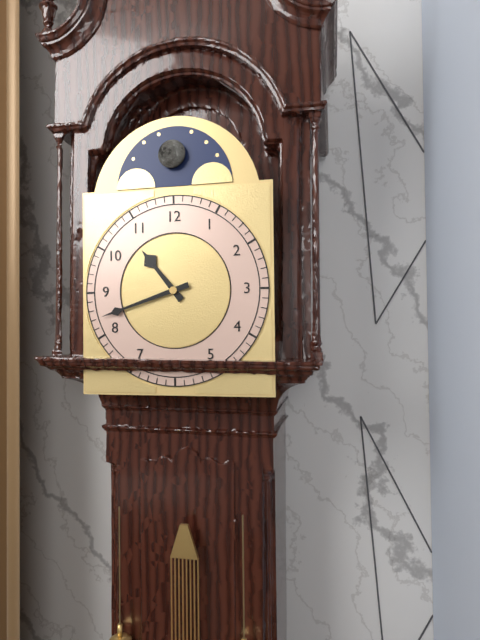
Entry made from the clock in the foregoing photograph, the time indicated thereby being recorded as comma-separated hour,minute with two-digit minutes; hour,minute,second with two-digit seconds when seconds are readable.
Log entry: 10,42
